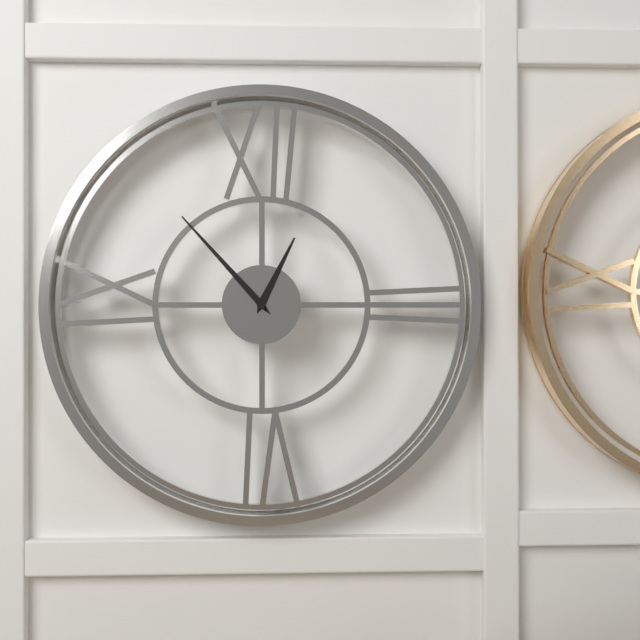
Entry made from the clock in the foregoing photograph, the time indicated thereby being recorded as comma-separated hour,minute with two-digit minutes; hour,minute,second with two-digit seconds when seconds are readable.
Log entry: 12,53
